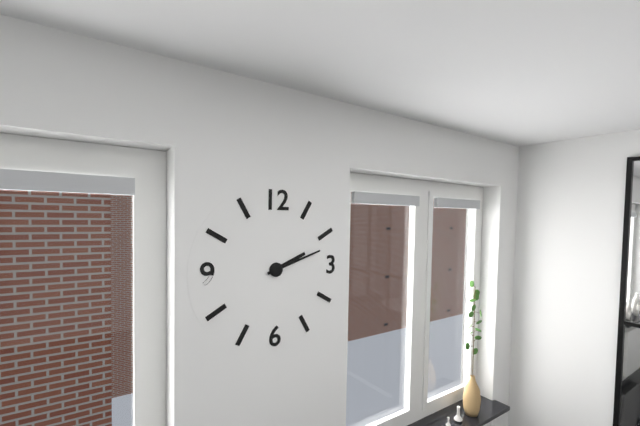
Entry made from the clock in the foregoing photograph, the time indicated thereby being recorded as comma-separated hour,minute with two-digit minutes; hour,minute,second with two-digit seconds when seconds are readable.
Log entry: 2,12
